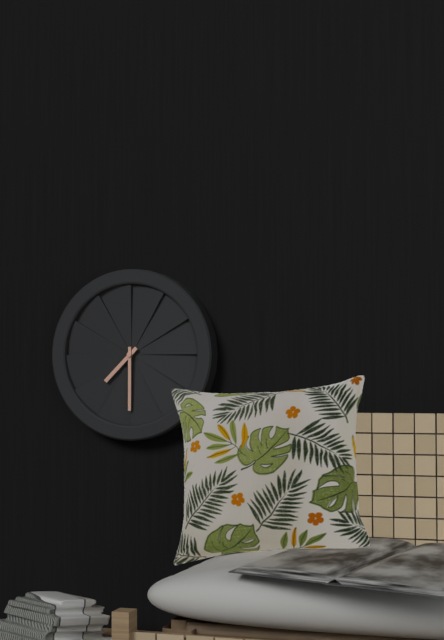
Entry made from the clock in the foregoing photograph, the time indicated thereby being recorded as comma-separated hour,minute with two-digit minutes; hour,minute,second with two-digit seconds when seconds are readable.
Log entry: 7,30
